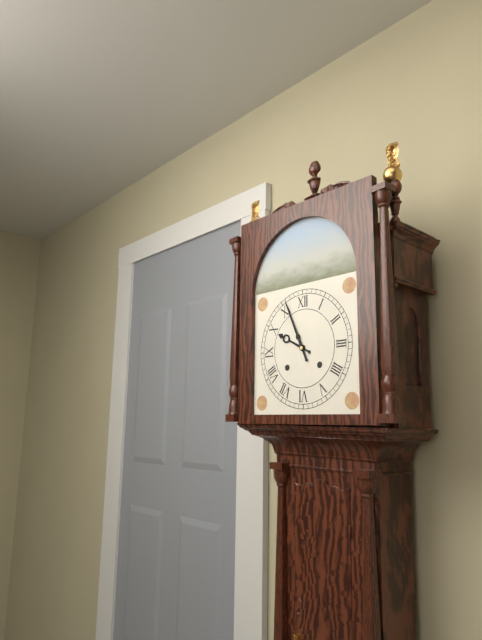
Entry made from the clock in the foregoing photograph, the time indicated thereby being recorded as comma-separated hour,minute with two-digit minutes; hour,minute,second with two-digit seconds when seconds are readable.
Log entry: 9,56
